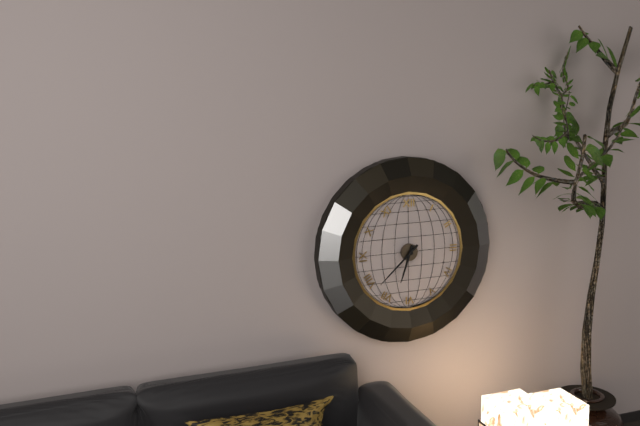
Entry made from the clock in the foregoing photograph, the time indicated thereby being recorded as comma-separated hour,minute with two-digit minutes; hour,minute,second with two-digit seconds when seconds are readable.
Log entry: 6,38
